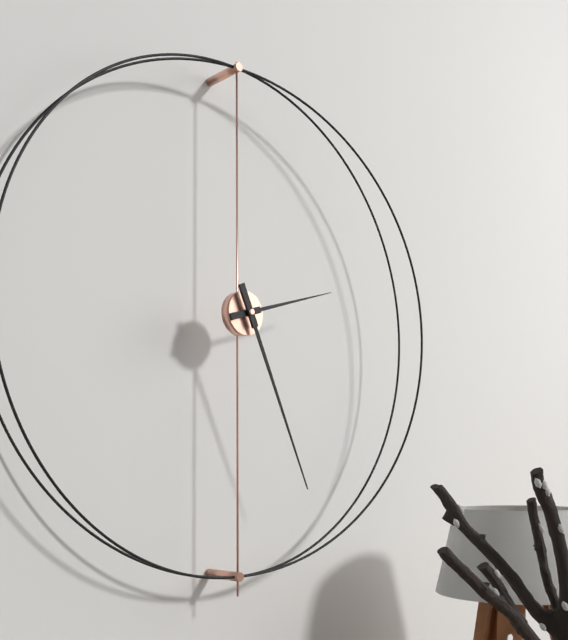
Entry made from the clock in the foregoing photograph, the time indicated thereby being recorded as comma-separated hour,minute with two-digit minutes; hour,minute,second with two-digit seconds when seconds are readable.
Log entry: 2,26
